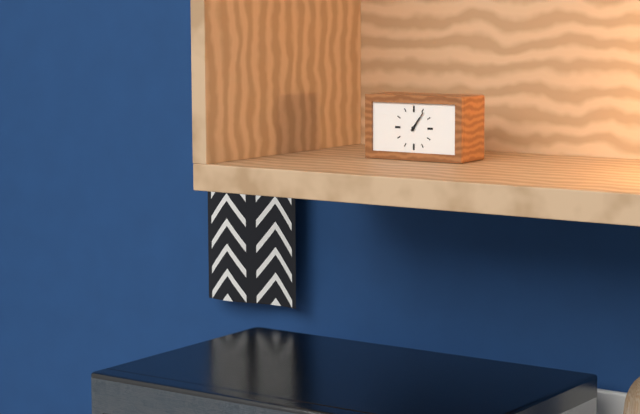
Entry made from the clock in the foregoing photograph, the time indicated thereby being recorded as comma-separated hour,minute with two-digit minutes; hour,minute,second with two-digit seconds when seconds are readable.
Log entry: 1,06
